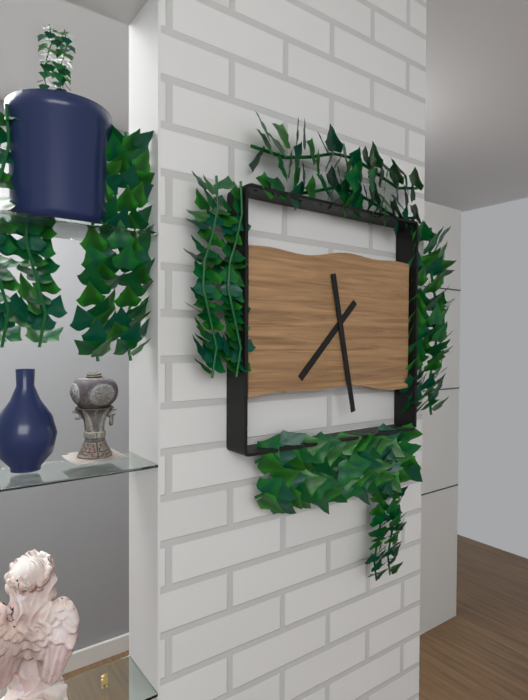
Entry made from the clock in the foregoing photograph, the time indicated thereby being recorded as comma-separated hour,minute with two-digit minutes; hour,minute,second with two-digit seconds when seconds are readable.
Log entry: 7,28
